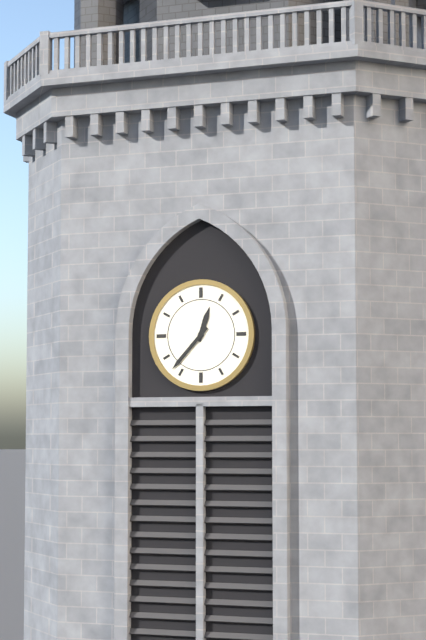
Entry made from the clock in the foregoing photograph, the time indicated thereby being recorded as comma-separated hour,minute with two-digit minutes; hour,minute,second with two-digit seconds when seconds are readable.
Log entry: 12,37
